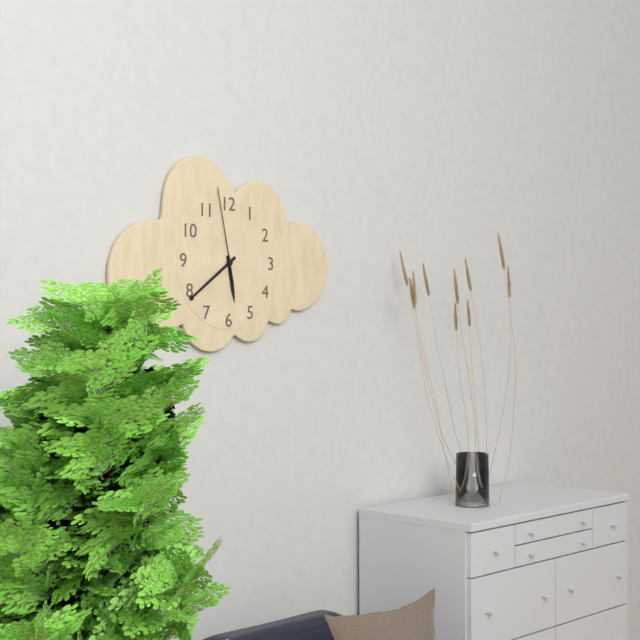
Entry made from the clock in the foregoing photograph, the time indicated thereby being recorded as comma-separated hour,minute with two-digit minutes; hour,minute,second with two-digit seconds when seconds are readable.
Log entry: 5,39,58
